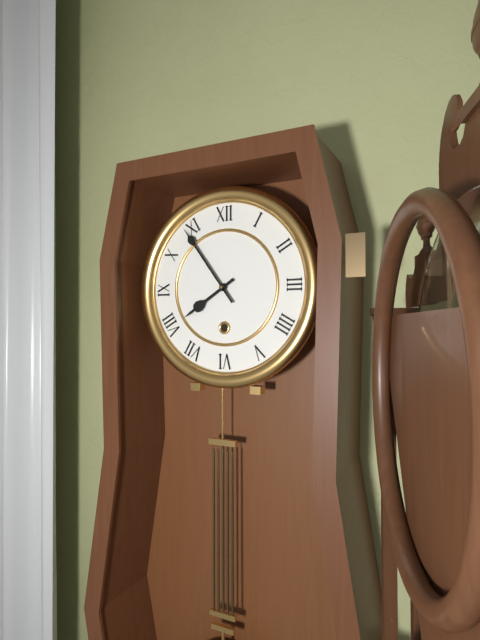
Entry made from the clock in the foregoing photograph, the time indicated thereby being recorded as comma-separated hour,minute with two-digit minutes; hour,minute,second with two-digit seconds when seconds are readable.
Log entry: 7,54
